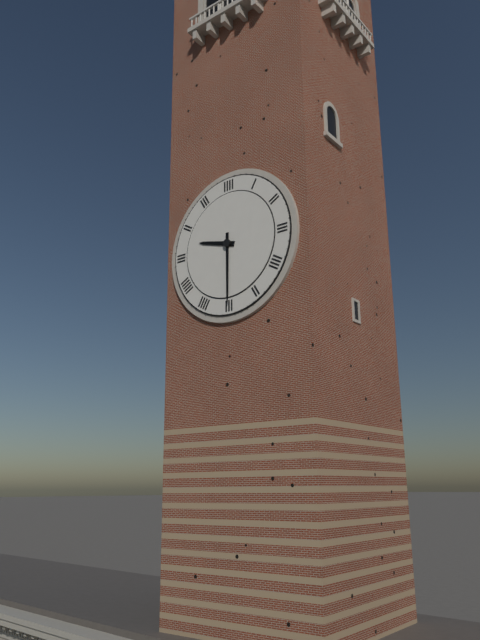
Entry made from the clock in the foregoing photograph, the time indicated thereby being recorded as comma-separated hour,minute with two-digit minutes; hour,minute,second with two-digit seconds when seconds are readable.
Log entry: 9,30
